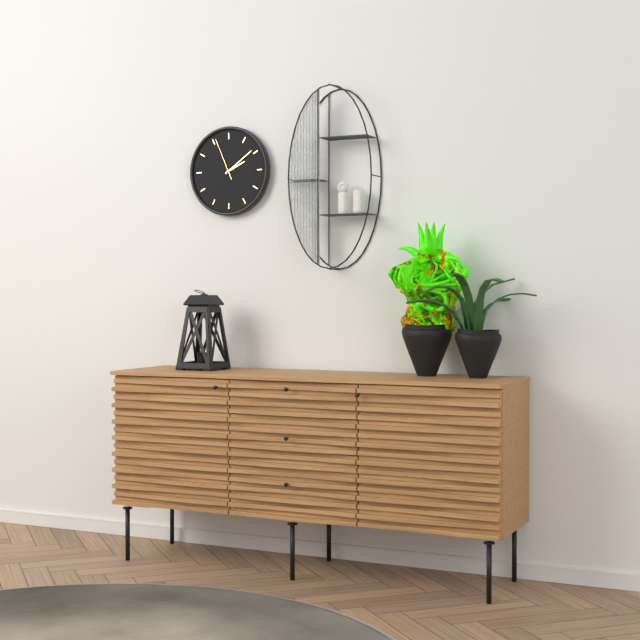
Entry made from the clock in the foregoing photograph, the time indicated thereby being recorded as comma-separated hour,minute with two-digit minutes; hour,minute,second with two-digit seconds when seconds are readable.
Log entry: 2,09
